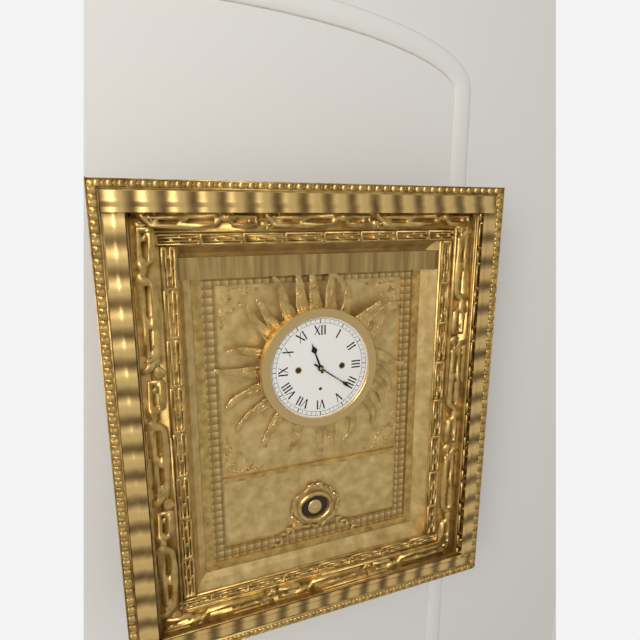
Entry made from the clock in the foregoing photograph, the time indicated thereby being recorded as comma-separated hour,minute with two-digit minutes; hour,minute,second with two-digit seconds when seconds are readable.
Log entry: 11,21
